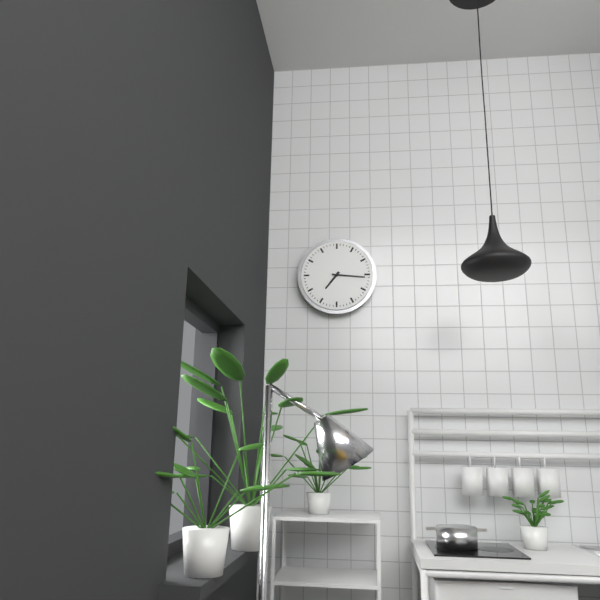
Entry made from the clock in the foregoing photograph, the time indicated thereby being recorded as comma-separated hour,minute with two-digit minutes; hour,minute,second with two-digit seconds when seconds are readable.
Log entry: 7,16
